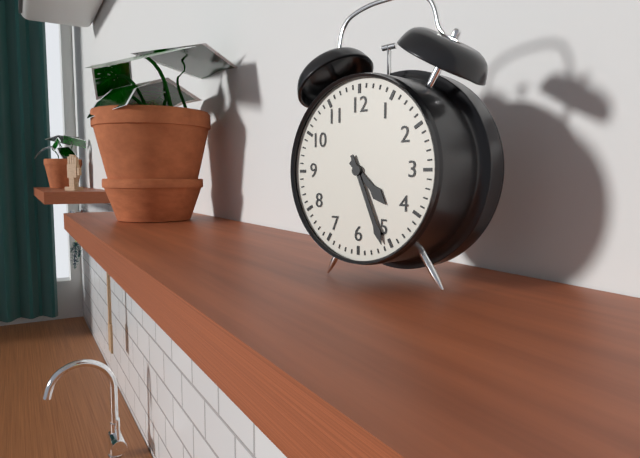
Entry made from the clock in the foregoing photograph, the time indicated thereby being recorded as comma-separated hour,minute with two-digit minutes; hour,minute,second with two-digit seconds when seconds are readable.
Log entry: 4,26
